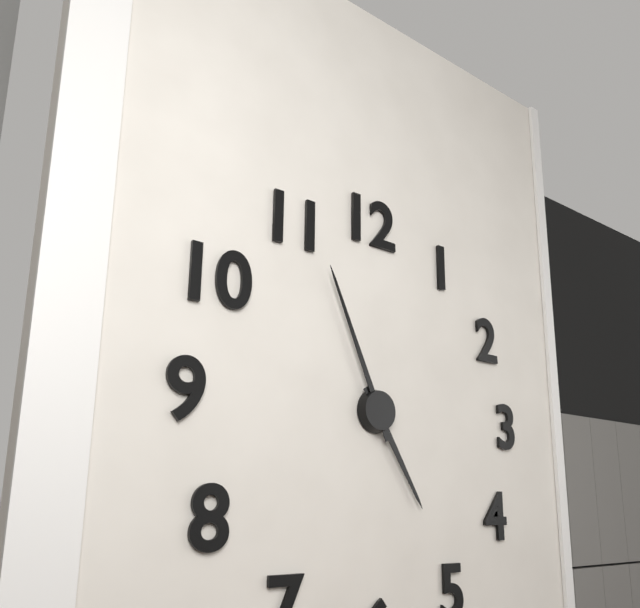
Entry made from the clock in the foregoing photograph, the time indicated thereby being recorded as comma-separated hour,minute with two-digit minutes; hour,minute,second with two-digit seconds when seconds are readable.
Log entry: 4,56
